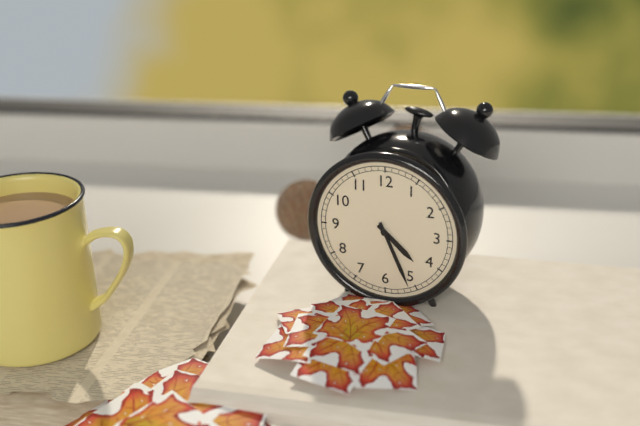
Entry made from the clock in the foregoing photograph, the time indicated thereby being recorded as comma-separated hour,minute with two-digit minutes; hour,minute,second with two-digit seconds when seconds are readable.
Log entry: 4,26
